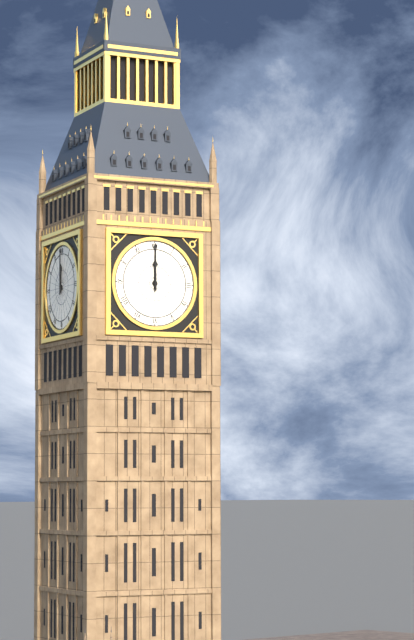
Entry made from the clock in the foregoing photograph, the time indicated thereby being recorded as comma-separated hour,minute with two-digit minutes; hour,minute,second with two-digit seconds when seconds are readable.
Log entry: 12,00
